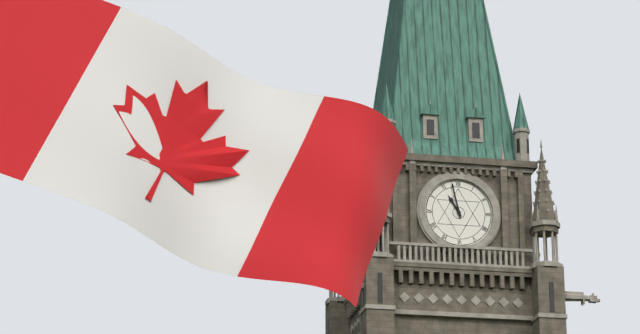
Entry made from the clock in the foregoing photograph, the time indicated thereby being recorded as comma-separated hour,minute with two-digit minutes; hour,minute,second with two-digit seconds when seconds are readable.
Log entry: 10,58
